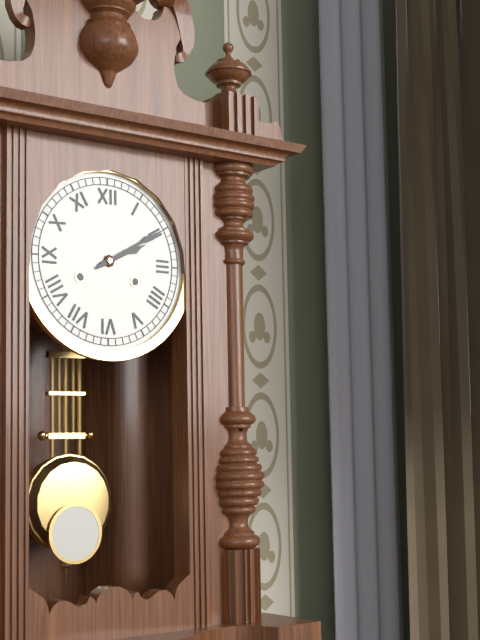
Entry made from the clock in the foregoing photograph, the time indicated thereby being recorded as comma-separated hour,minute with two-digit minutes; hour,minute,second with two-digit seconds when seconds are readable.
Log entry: 2,10
